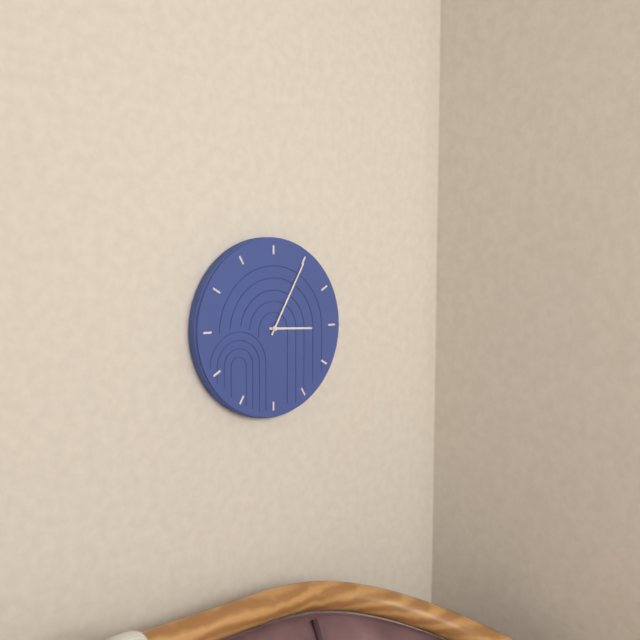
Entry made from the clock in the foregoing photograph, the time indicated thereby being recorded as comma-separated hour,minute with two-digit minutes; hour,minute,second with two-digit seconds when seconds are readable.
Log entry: 3,05
